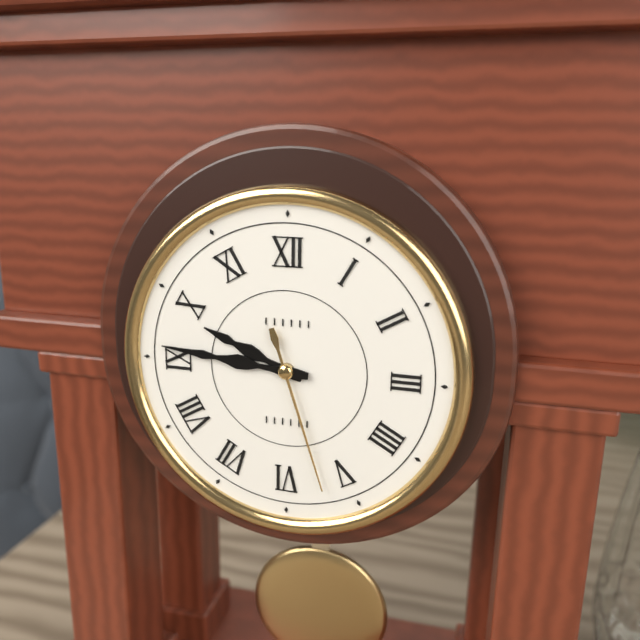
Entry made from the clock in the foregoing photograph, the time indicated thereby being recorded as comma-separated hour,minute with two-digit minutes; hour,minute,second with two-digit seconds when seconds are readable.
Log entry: 9,46,27
